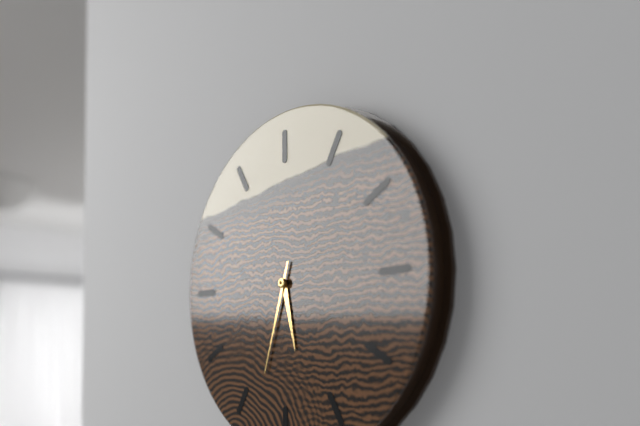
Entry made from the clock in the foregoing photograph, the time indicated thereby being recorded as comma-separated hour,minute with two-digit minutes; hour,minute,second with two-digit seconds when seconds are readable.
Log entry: 5,33
